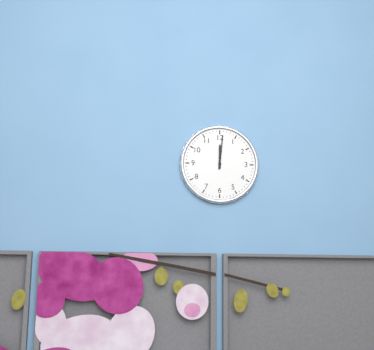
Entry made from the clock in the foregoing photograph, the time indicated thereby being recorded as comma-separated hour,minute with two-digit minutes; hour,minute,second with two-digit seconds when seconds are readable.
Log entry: 12,01
